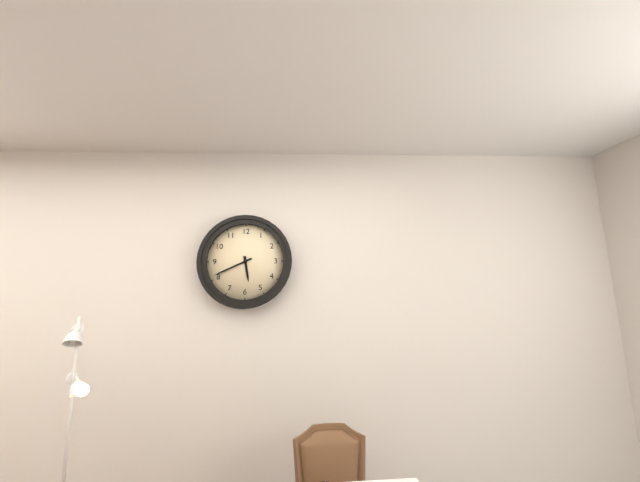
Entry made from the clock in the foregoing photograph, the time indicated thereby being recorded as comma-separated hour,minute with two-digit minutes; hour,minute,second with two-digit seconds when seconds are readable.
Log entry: 5,41
